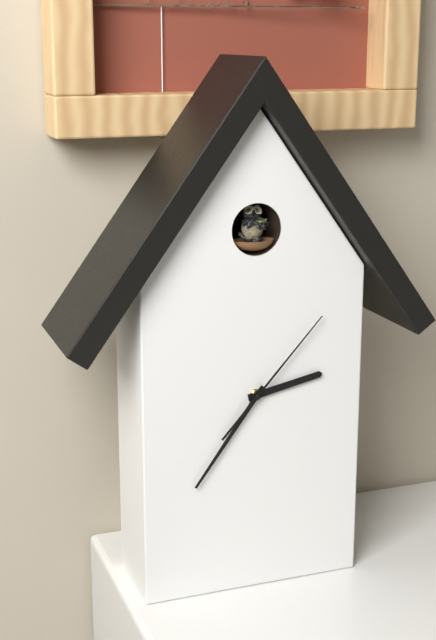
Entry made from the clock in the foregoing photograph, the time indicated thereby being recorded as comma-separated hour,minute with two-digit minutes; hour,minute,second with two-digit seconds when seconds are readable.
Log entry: 2,36,07
